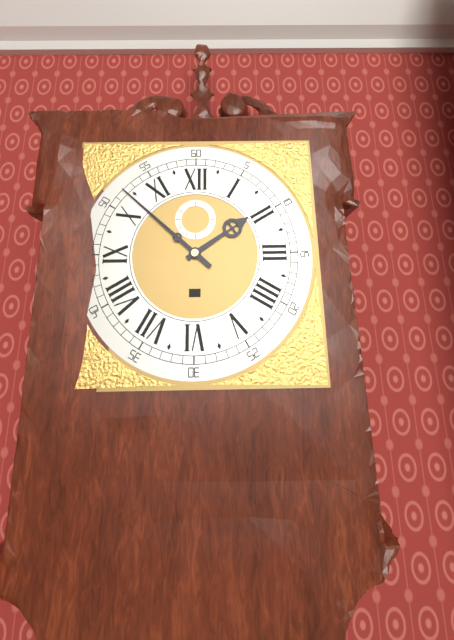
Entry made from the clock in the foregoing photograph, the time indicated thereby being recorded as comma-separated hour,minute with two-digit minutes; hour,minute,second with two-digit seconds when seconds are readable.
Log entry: 1,52
